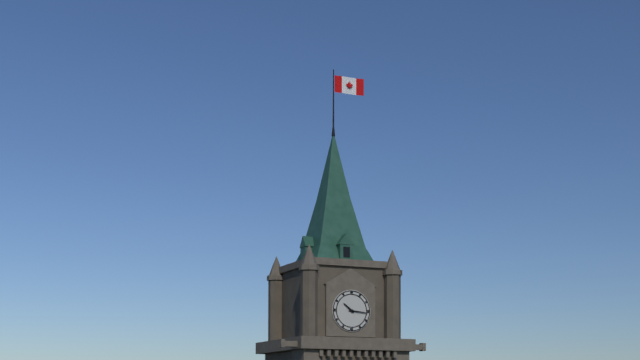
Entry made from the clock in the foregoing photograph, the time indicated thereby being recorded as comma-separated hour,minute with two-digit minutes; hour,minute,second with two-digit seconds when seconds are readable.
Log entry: 10,16
